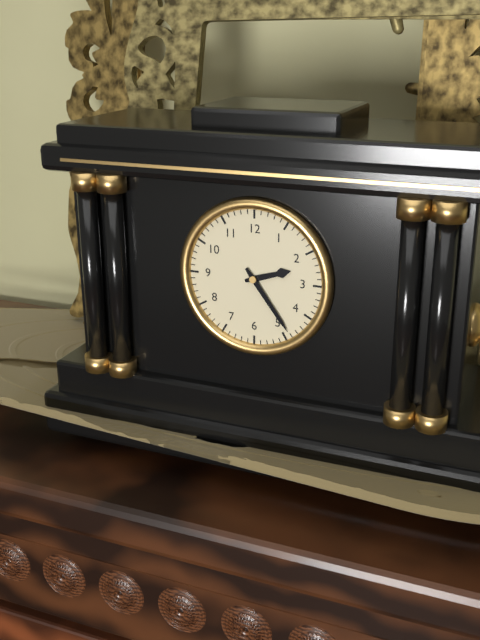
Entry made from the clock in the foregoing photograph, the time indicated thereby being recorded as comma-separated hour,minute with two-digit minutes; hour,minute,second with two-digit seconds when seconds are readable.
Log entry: 2,24
